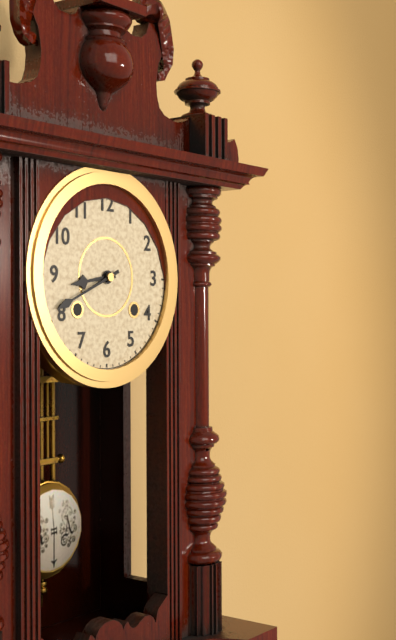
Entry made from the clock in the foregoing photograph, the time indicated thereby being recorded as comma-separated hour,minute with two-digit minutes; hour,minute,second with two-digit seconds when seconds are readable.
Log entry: 8,41
